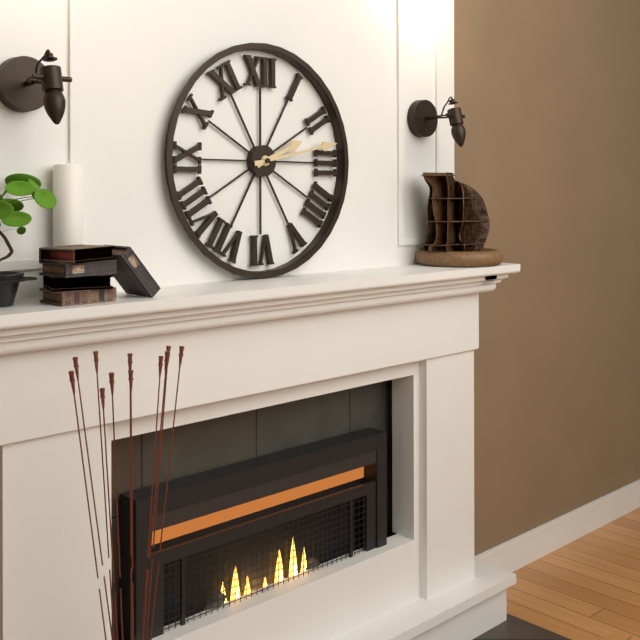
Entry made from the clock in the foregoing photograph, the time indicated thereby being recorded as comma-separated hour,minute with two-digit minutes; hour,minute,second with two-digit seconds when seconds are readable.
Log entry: 2,13
